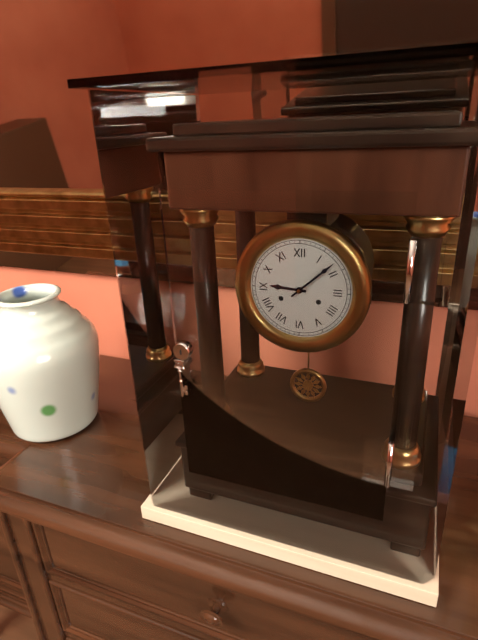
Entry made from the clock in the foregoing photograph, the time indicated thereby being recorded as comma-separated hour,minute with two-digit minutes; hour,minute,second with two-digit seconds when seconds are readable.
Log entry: 9,08
